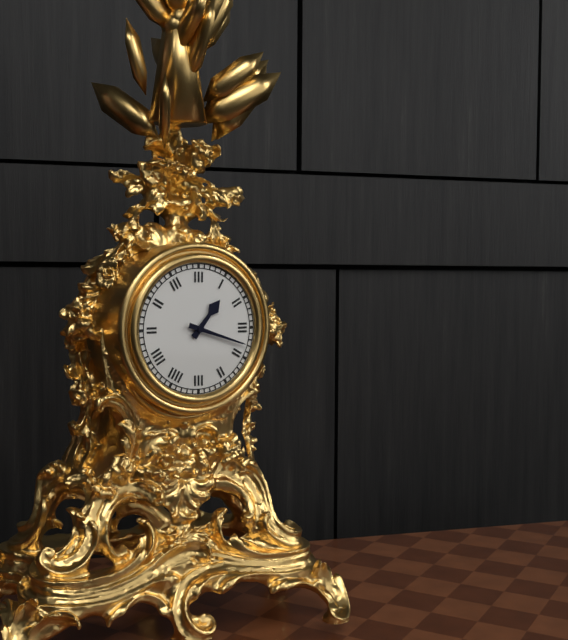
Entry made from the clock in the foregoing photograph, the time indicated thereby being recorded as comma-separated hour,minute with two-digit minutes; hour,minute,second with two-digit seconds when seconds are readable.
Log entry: 1,18
